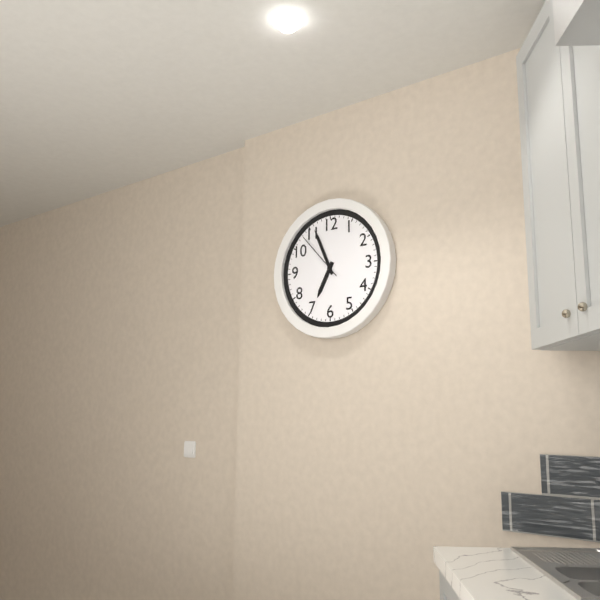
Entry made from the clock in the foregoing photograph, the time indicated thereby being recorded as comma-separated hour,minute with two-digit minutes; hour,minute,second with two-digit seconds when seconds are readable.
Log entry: 6,56,53
